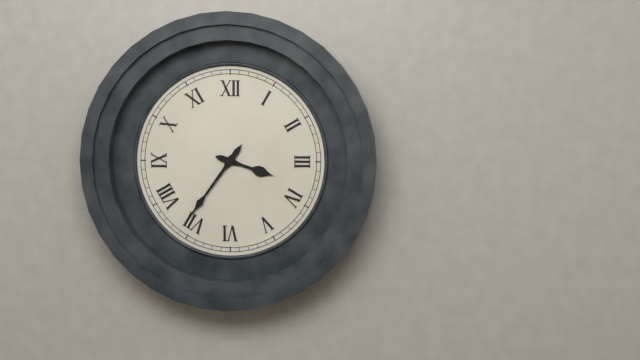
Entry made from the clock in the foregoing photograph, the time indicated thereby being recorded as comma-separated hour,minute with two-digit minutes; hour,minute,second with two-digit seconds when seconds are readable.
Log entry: 3,36
